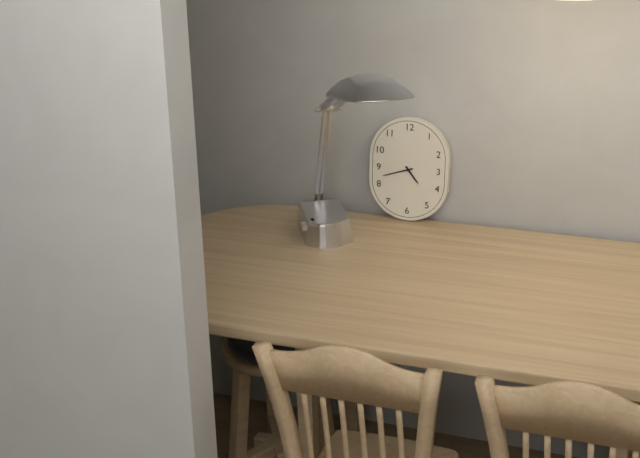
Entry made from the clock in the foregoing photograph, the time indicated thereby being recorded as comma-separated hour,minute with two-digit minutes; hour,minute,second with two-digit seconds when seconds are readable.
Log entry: 4,42
